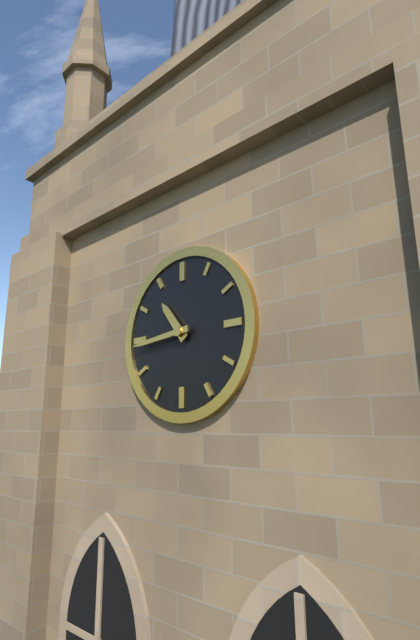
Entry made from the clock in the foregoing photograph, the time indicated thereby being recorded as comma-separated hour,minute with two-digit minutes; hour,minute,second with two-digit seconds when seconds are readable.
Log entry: 10,44
